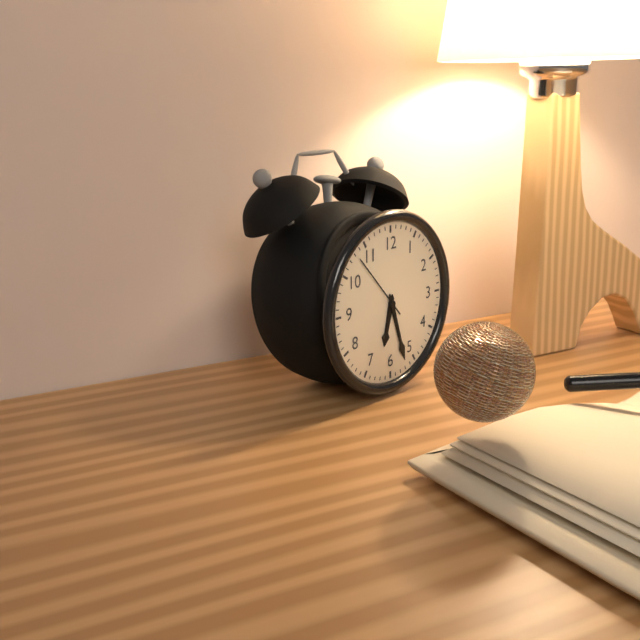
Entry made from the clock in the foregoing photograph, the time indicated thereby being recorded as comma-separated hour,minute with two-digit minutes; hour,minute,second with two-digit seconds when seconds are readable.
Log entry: 6,27,53
